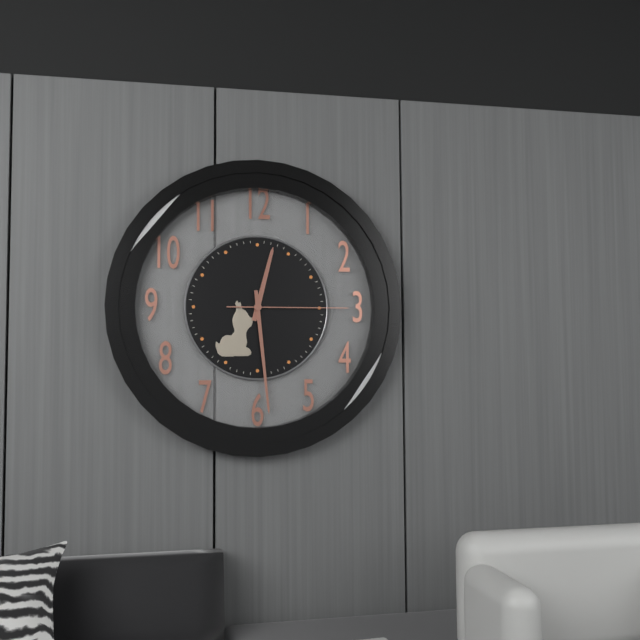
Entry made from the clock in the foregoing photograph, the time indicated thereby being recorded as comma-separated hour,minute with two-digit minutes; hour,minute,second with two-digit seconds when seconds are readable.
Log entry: 12,29,15
